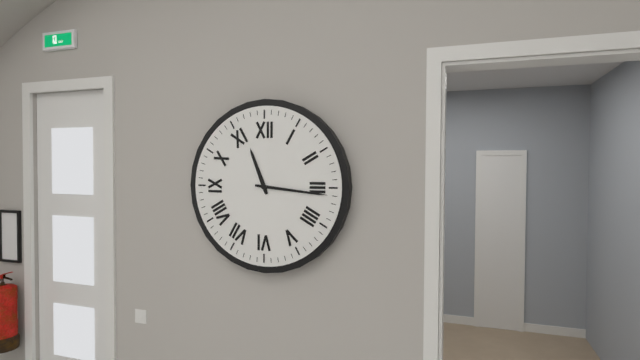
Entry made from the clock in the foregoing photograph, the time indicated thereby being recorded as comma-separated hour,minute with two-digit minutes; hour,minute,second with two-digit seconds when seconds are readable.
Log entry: 11,16
